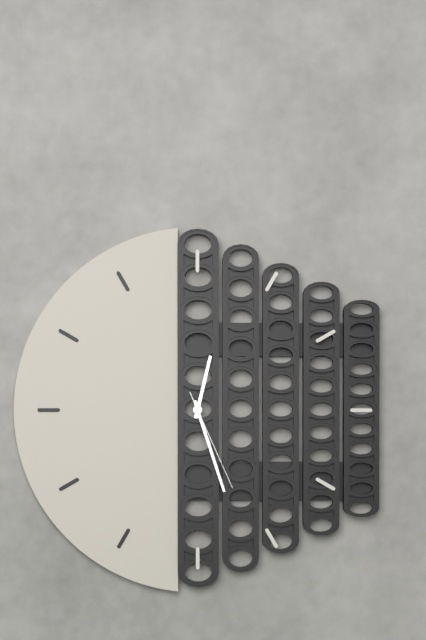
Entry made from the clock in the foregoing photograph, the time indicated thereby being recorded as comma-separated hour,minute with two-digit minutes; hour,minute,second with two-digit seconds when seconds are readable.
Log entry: 12,27,26
